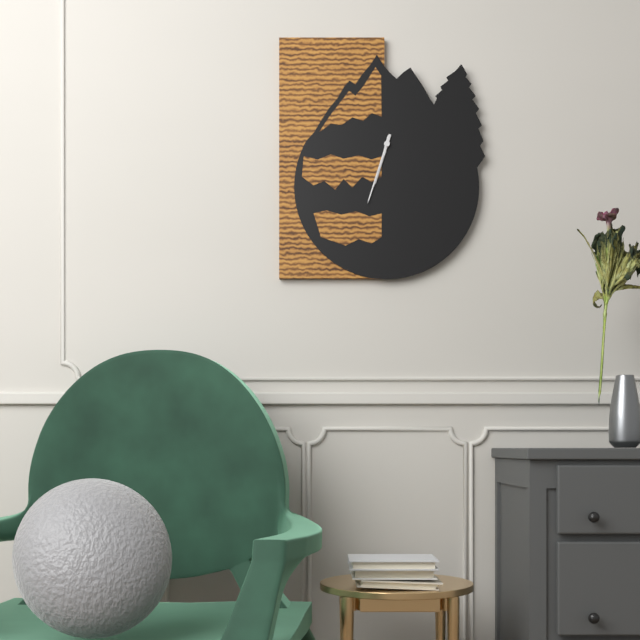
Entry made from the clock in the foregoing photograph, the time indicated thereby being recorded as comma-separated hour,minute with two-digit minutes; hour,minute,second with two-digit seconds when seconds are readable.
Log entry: 6,33
